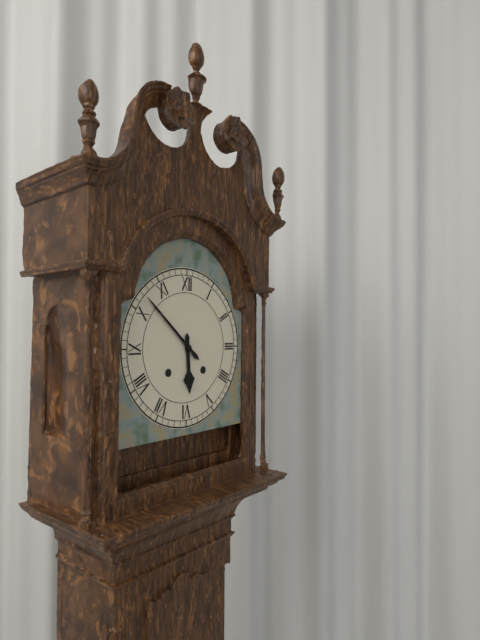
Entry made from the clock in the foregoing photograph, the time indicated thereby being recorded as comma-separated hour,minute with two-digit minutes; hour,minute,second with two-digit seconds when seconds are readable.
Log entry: 5,52
